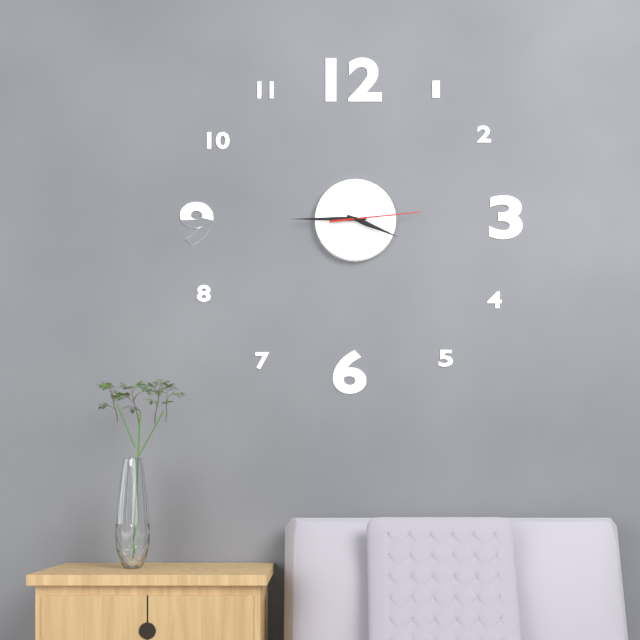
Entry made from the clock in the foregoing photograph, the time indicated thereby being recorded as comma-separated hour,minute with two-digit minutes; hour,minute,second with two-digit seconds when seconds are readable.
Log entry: 3,45,14
